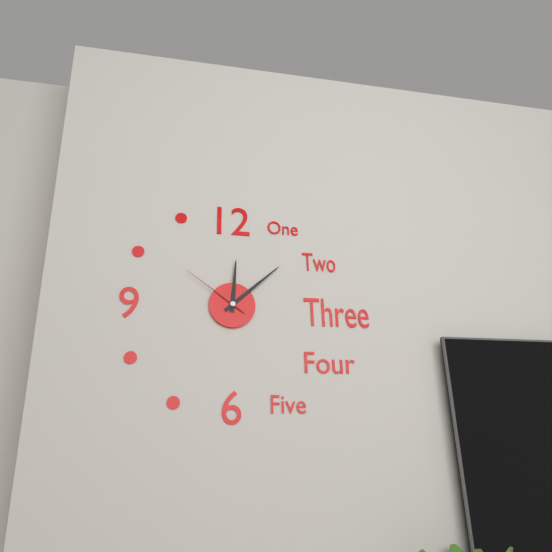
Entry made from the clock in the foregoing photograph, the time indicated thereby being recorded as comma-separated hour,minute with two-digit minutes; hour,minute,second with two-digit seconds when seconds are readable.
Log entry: 12,08,51
